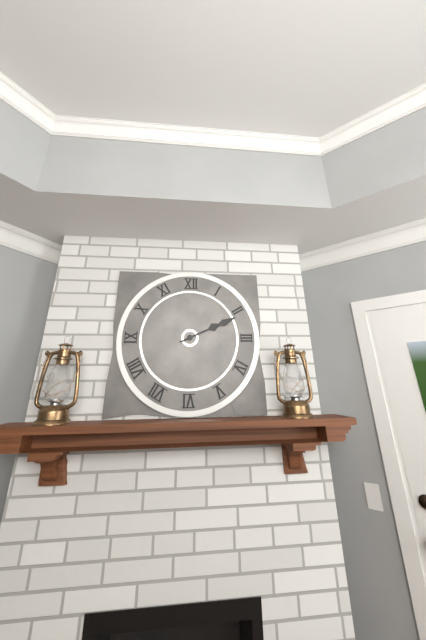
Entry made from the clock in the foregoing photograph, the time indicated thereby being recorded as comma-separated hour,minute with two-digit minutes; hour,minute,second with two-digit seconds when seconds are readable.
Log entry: 2,11
